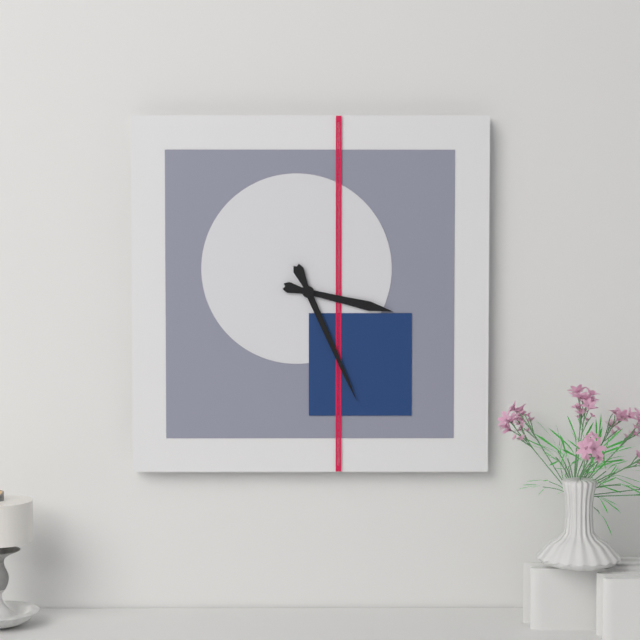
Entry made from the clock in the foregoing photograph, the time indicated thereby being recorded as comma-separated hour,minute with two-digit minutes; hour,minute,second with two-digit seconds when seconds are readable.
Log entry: 3,26
